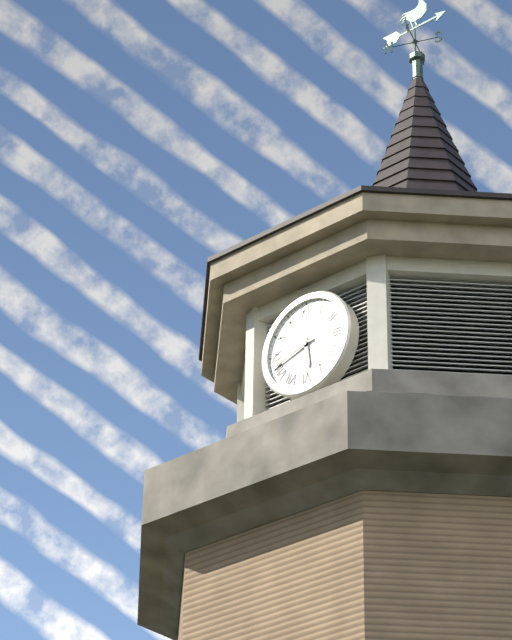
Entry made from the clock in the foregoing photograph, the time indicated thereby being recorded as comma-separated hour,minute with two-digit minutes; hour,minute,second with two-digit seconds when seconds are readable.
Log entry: 5,42
